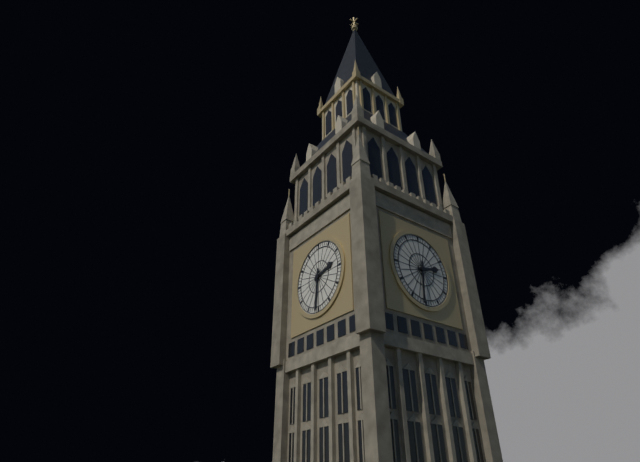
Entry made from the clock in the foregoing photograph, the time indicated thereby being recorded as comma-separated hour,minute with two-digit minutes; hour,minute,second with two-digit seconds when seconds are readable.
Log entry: 2,31
